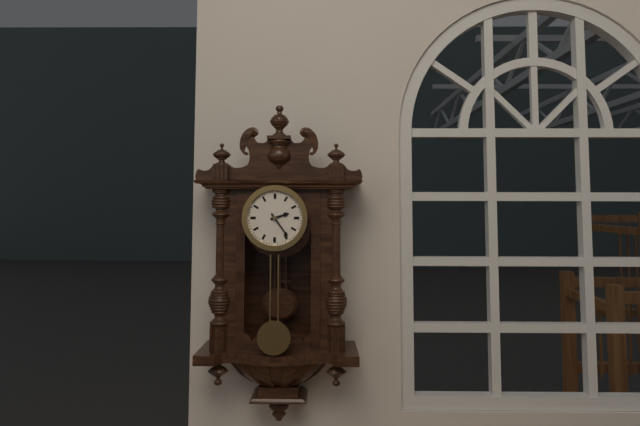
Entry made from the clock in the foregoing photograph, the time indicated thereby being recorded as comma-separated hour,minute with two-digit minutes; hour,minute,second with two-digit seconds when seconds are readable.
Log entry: 2,24
